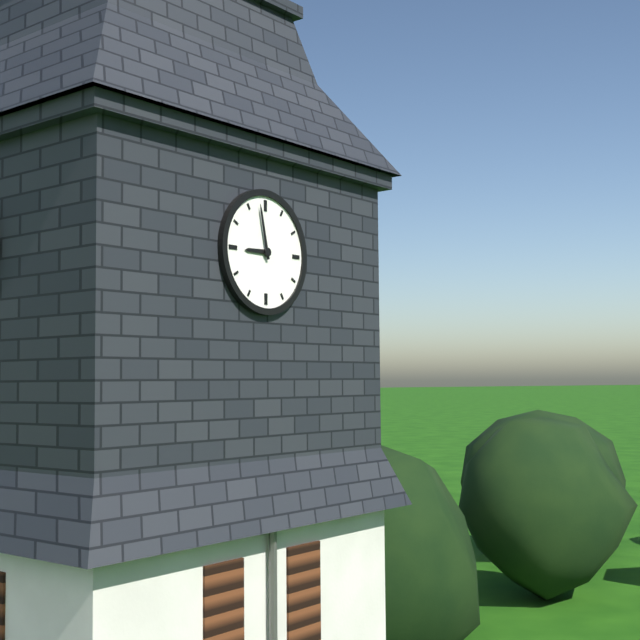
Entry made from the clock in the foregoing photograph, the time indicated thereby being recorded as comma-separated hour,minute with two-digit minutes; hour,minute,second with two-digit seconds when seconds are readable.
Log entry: 8,58
